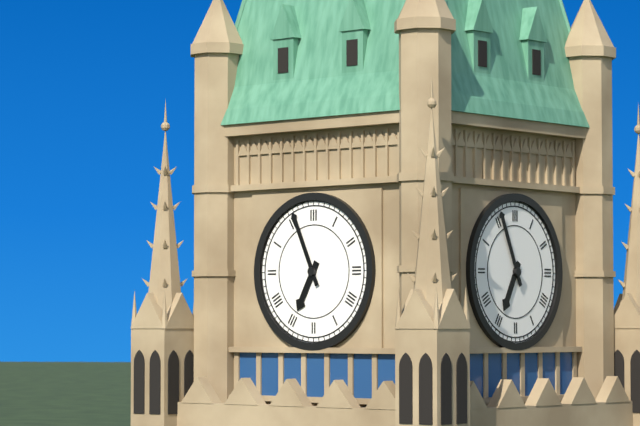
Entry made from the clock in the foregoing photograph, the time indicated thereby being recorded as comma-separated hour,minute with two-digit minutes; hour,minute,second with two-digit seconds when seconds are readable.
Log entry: 6,56
